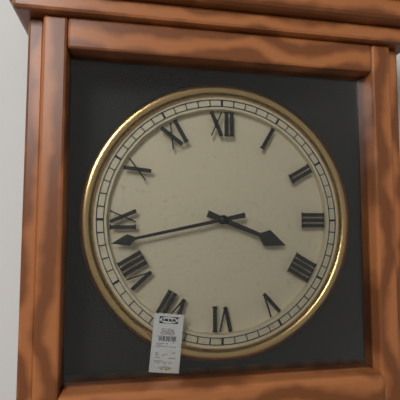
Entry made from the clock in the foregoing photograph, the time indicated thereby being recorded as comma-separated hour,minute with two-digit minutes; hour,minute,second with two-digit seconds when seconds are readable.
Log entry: 3,43
